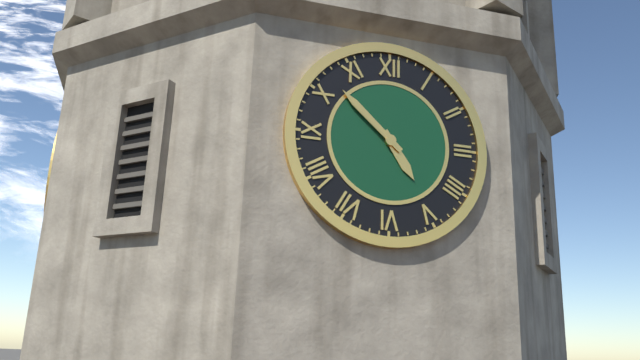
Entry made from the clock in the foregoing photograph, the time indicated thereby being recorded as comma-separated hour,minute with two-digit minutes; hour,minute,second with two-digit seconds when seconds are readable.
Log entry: 4,52
